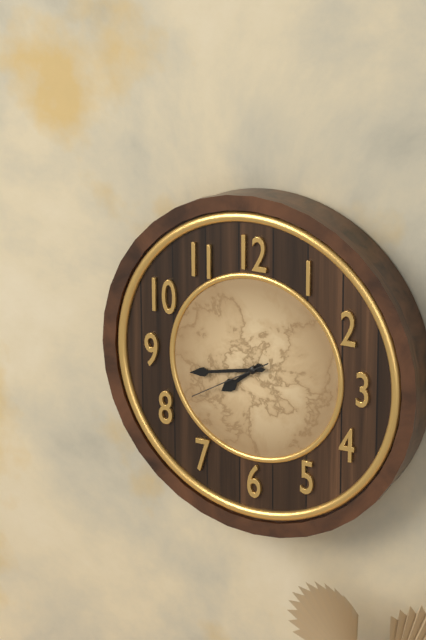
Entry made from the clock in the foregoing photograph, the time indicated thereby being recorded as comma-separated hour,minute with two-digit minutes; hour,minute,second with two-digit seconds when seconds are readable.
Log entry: 7,43,40
